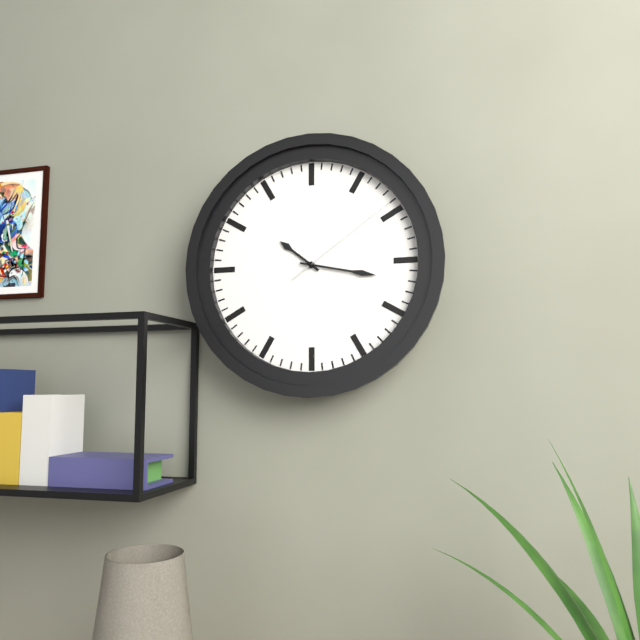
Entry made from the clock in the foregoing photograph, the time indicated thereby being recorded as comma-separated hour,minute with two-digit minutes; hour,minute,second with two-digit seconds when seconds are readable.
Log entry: 10,17,09
